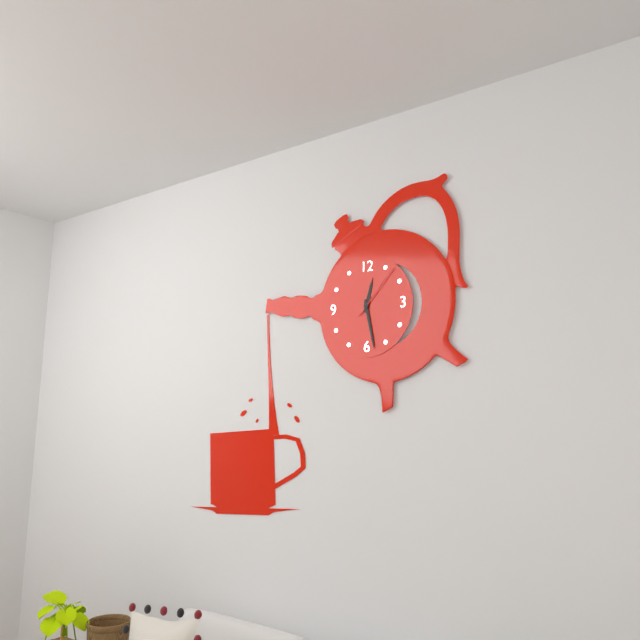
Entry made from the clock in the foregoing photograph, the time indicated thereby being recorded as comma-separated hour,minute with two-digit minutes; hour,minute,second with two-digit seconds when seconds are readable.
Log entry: 12,28,07
